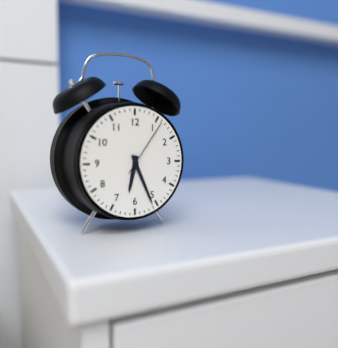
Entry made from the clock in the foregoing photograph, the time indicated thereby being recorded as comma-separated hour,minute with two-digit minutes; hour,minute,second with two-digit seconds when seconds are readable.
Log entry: 6,26,06
